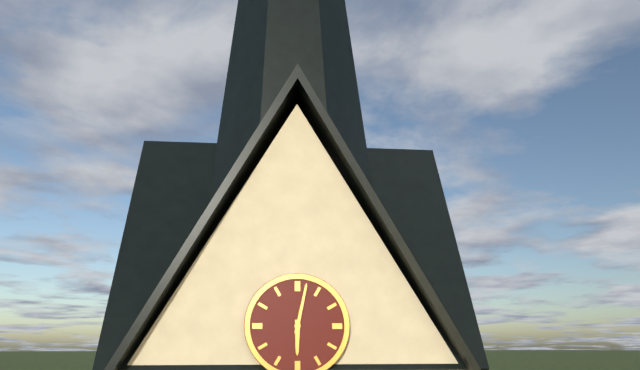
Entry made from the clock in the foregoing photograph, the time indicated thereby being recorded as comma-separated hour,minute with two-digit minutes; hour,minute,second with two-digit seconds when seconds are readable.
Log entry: 6,02
